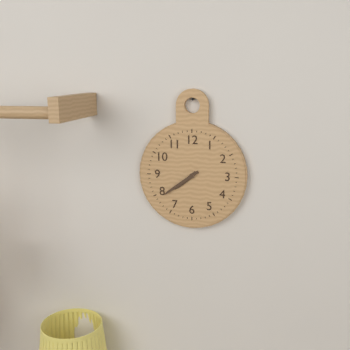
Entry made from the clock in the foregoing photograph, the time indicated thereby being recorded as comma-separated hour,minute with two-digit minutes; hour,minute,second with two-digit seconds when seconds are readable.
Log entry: 7,39
